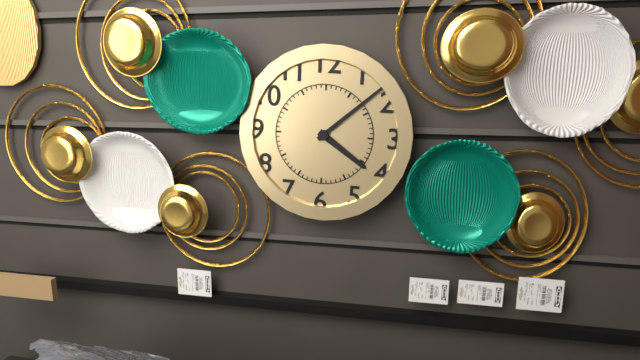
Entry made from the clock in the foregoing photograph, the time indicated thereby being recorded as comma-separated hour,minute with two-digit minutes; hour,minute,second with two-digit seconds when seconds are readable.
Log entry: 4,08
